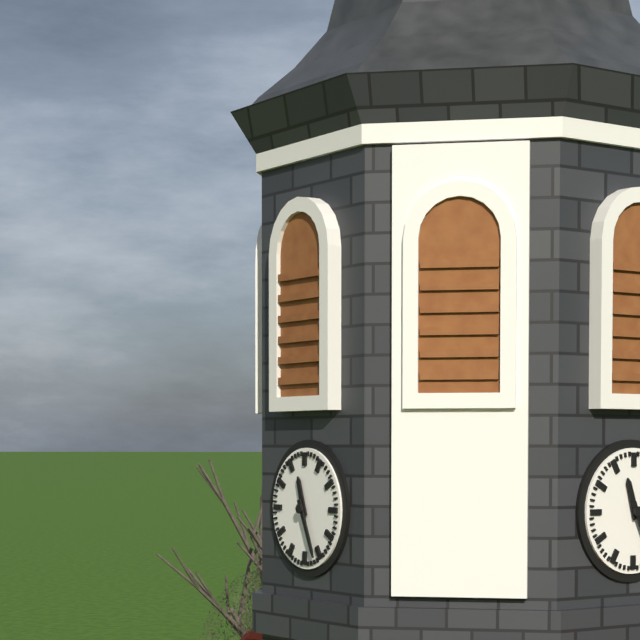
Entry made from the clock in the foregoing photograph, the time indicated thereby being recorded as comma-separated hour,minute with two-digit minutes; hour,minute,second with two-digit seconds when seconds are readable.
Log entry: 11,26
